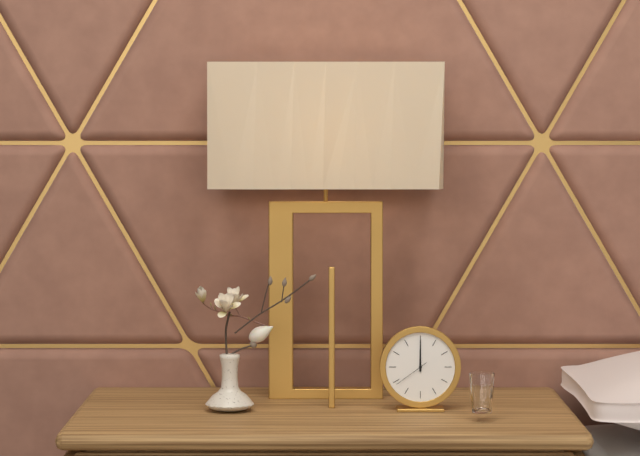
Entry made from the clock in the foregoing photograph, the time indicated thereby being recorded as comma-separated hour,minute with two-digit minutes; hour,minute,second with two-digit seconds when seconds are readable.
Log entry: 12,00
